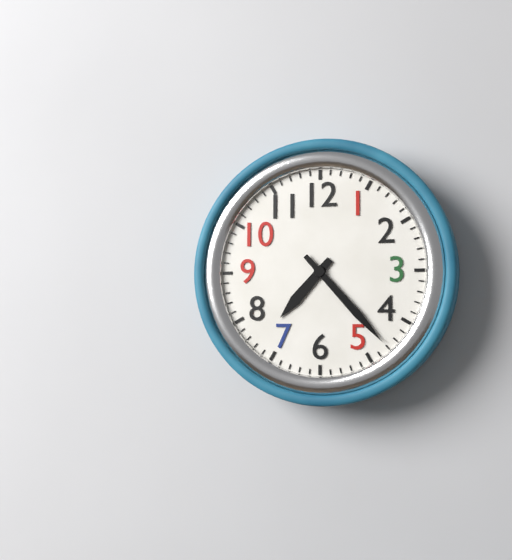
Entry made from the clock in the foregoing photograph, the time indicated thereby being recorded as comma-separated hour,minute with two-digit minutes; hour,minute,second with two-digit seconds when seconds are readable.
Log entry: 7,23
